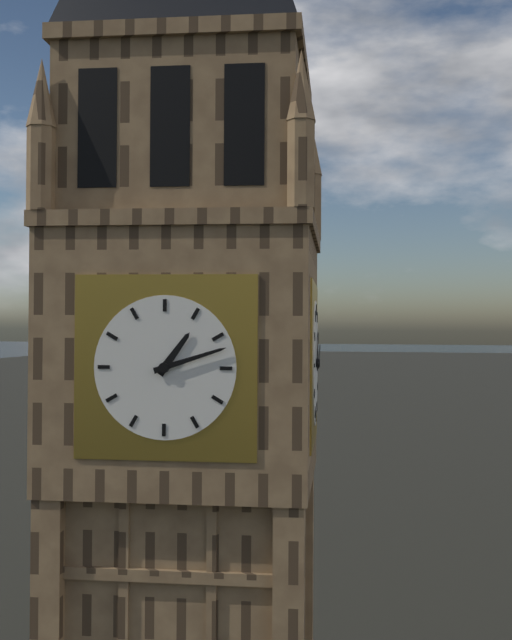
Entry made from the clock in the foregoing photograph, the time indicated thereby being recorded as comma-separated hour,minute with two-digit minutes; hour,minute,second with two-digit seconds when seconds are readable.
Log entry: 1,12
